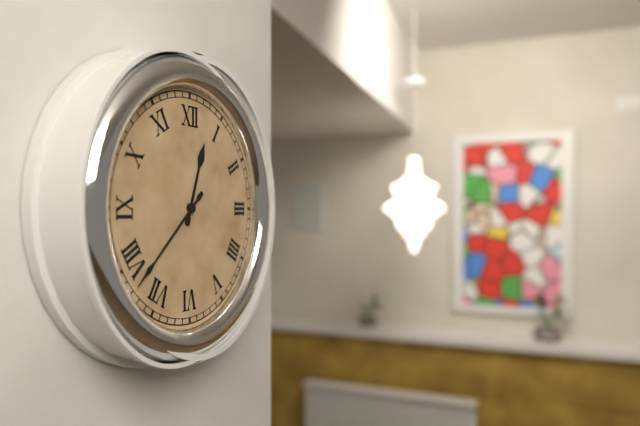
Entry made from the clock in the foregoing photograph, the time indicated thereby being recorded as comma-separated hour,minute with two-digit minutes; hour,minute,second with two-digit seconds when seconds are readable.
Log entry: 12,38
